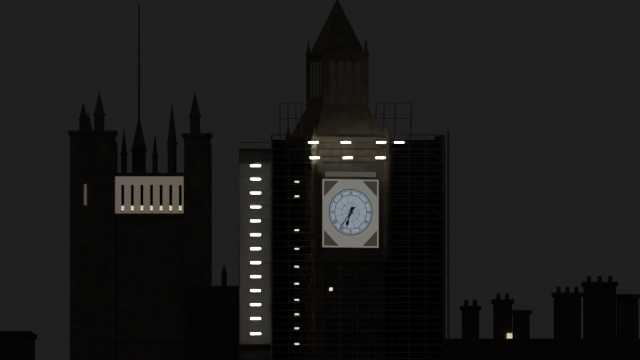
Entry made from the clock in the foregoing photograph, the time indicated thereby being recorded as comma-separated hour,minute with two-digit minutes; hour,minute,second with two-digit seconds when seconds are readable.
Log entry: 6,36
